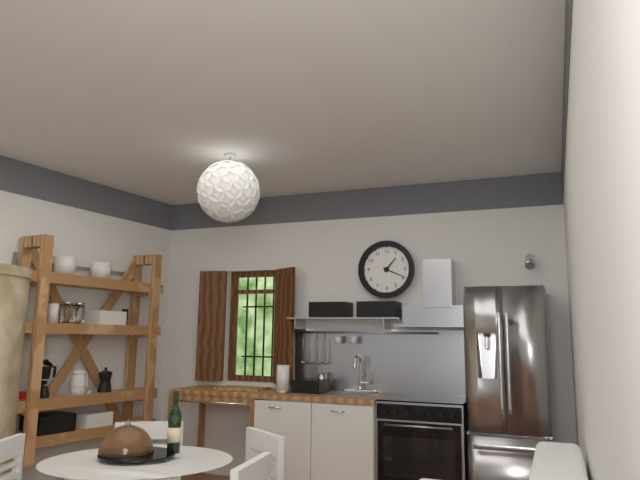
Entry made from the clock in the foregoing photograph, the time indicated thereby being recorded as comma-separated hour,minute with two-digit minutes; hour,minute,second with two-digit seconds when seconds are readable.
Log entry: 1,19
